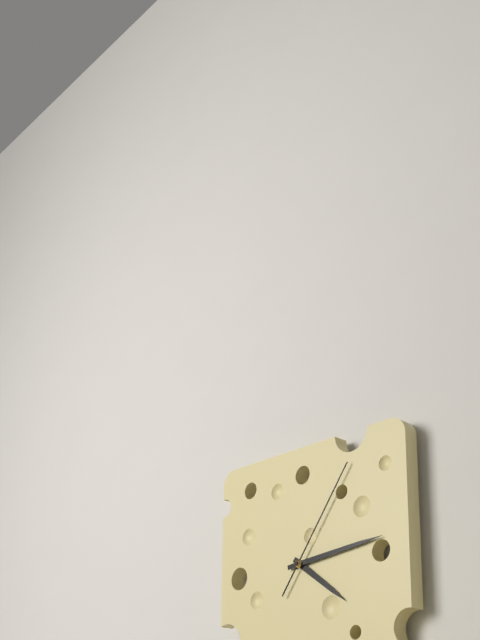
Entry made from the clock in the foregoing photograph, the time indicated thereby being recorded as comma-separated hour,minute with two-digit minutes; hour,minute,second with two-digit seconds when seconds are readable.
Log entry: 4,14,06
